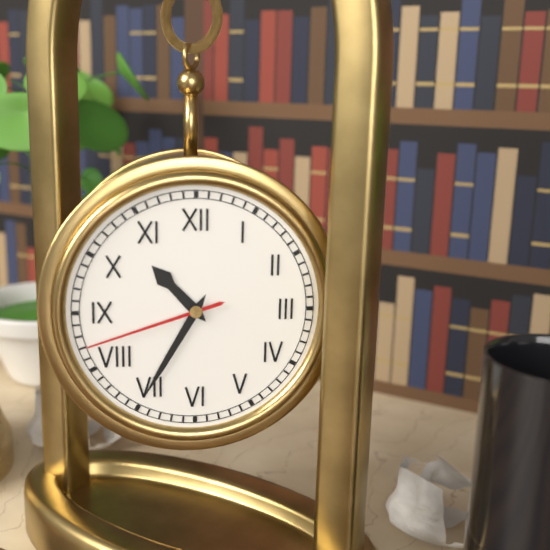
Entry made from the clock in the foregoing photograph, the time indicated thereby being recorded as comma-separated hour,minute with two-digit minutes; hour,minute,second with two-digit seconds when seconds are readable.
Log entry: 10,35,42
